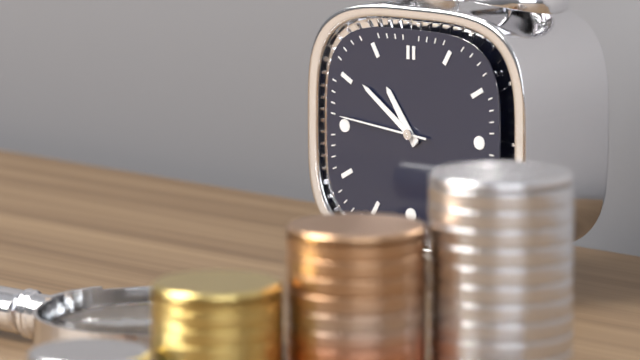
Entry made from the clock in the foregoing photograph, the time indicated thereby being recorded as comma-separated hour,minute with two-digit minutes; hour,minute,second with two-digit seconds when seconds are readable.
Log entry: 10,51,46
